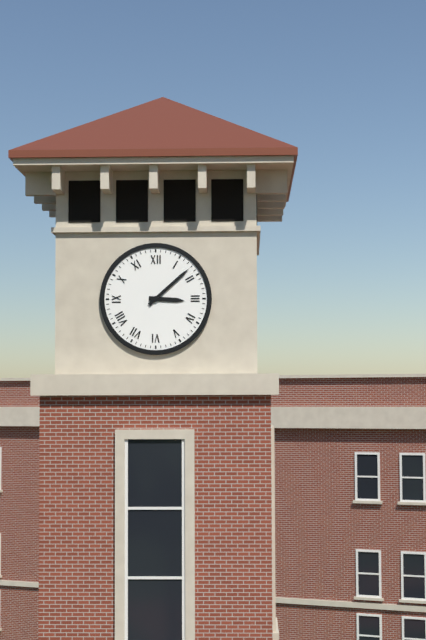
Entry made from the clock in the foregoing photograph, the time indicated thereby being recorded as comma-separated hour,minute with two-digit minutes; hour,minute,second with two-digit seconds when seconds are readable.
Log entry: 3,08
